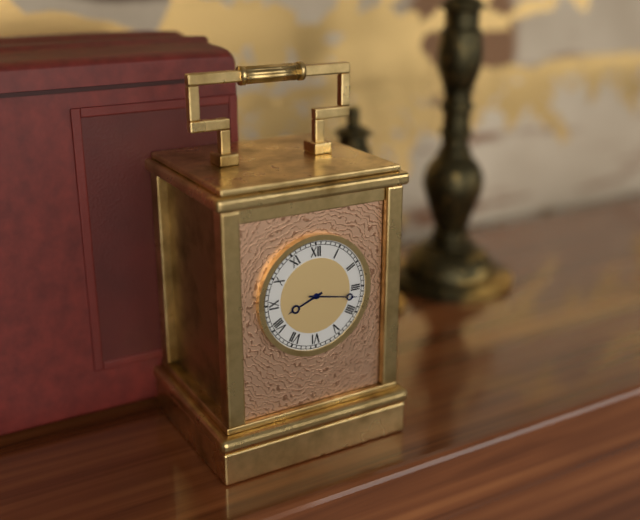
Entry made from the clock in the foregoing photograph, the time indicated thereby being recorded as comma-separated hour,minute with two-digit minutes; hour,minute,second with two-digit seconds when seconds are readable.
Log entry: 8,17
